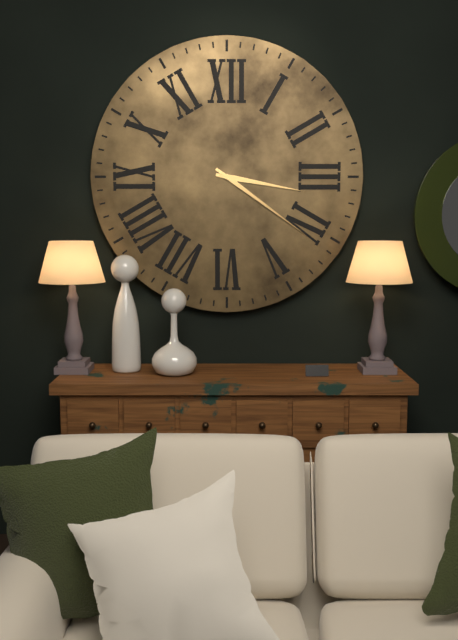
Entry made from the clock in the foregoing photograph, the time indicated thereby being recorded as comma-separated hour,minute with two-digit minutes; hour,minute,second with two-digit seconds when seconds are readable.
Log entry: 3,21
